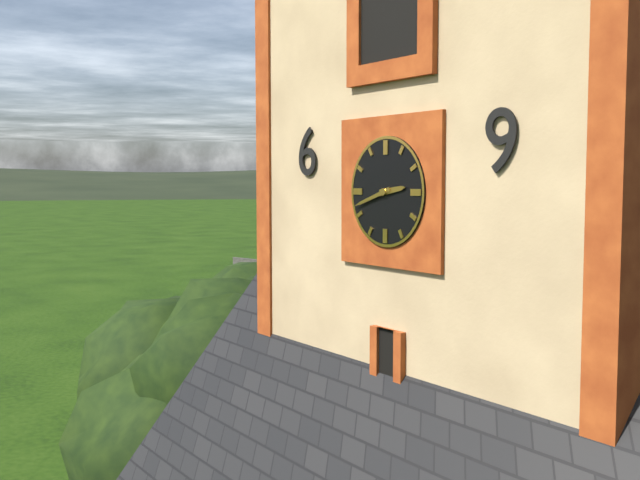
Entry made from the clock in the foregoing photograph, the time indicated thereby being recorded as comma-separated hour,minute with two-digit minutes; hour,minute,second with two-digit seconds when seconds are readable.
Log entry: 2,42
